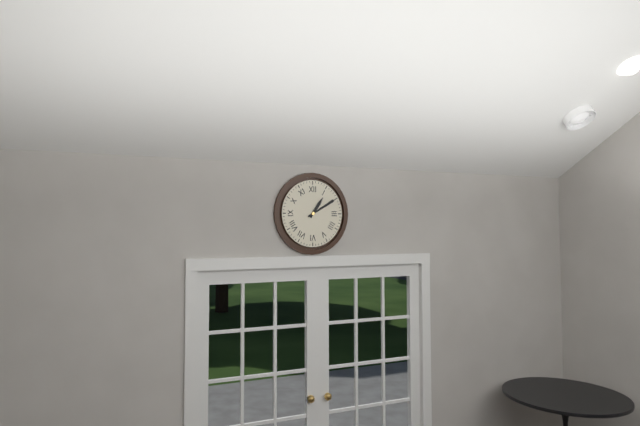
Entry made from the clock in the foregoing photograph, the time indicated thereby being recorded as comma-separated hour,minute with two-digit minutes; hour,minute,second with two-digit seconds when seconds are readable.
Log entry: 1,10
